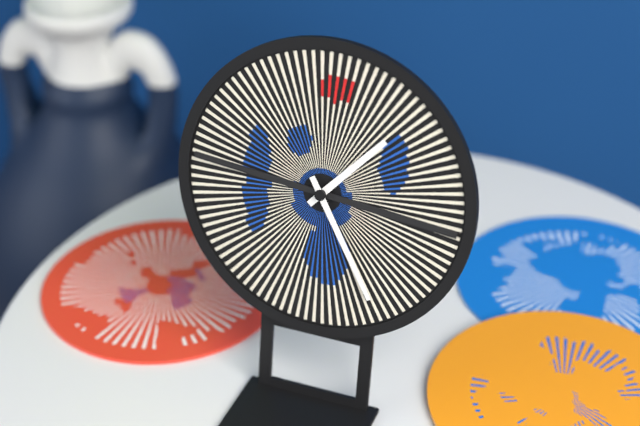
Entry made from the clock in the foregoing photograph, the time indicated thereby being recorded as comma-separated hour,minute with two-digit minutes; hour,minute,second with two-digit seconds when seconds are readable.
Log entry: 1,25
